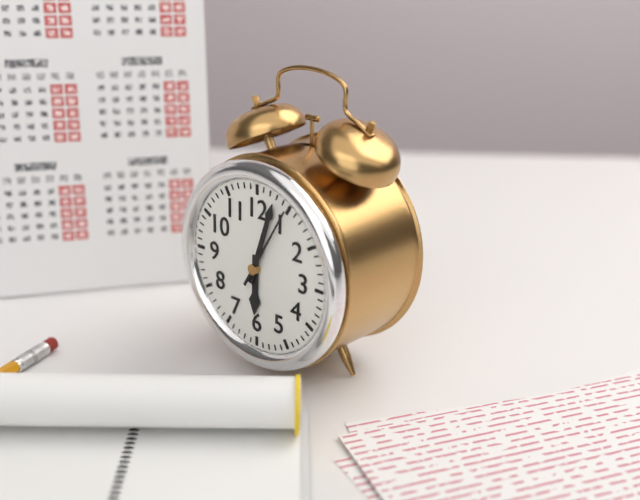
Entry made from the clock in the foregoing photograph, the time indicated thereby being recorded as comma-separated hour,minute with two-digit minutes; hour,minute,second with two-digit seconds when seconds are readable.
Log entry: 6,03,05
